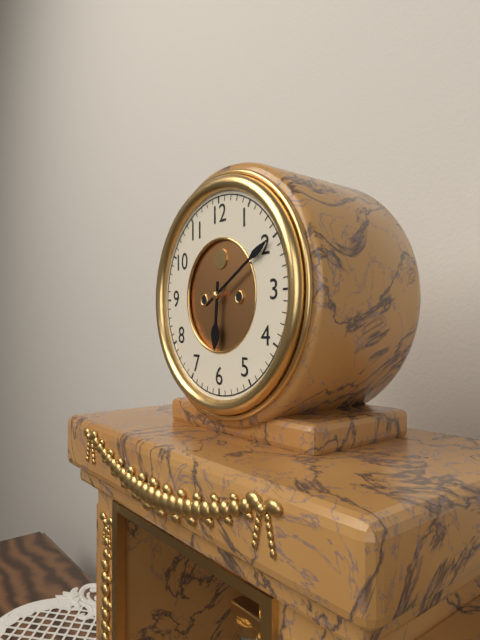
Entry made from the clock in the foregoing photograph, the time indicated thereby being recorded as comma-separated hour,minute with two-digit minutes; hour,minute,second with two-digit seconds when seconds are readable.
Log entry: 6,10
